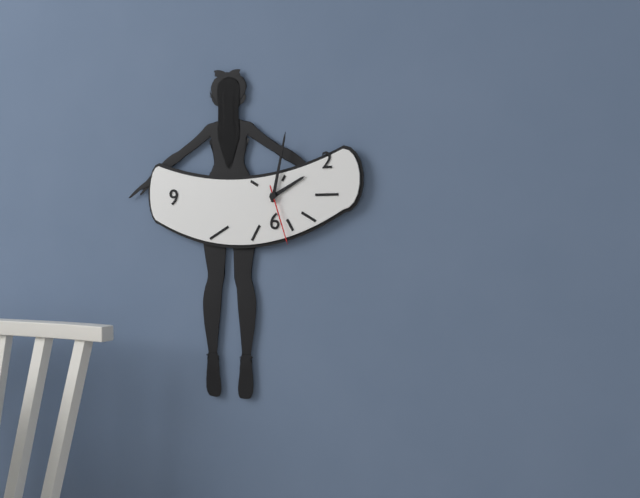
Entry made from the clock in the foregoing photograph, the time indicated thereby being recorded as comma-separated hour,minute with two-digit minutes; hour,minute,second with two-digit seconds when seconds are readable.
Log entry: 2,02,27
